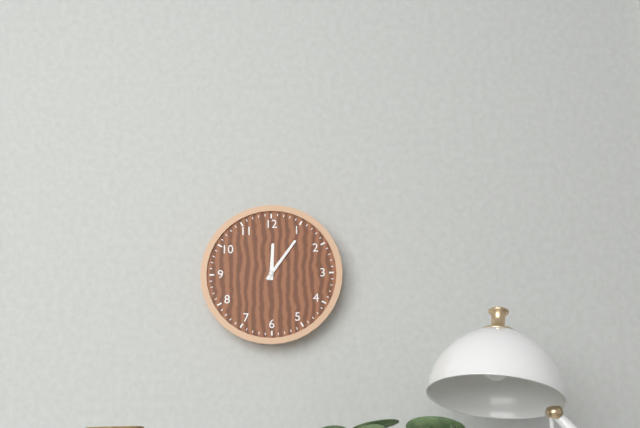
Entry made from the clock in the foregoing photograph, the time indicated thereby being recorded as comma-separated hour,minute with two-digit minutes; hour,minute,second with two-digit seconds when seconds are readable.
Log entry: 12,06
